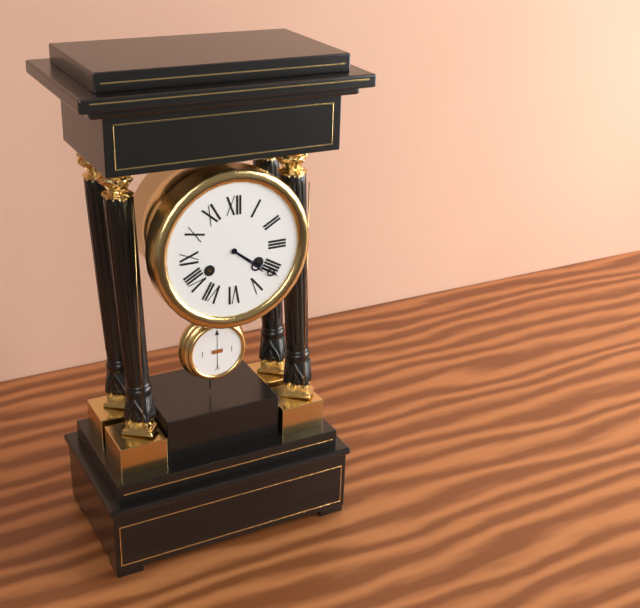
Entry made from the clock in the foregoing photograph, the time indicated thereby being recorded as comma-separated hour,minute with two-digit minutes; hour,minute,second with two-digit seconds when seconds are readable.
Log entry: 4,21
